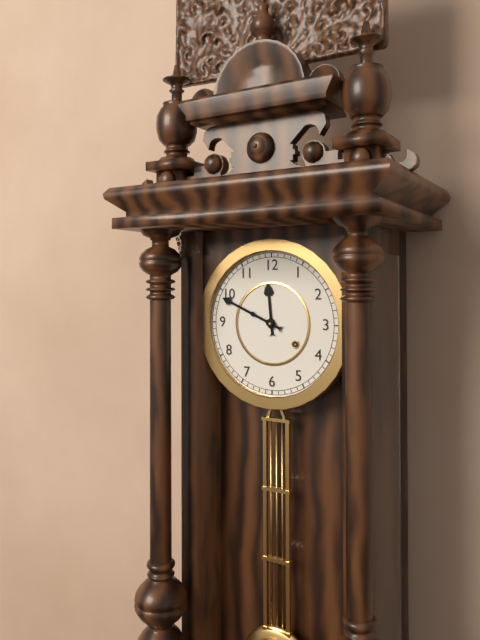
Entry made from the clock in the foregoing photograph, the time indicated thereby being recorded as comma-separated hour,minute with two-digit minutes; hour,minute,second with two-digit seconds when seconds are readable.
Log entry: 11,49
